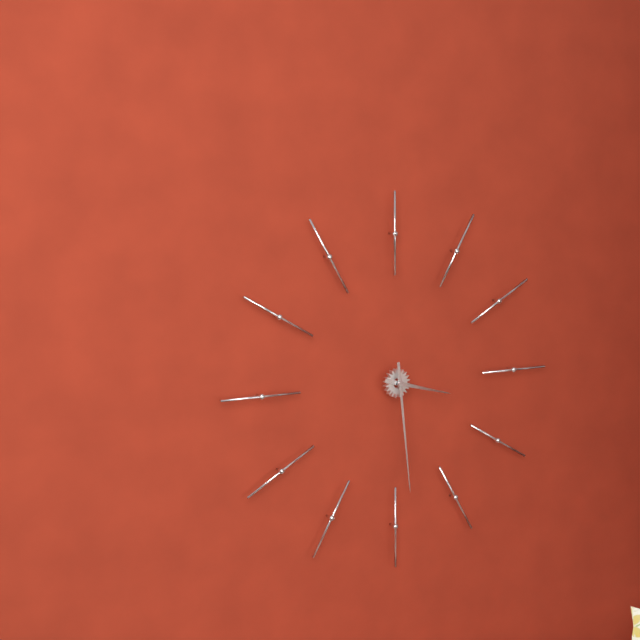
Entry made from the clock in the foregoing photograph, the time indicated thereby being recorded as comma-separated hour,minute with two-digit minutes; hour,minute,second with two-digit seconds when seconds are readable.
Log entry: 3,29
